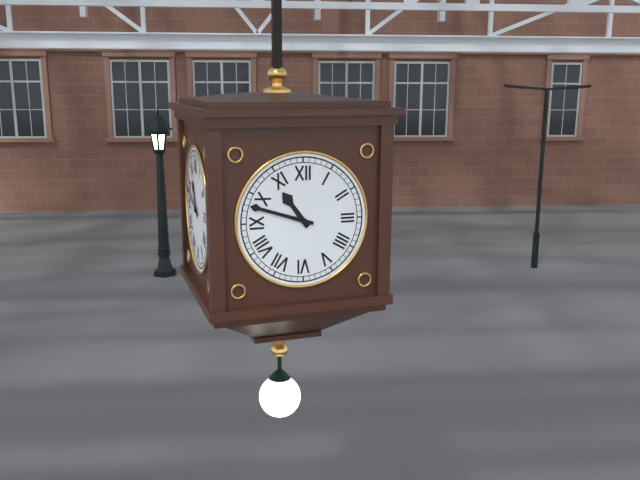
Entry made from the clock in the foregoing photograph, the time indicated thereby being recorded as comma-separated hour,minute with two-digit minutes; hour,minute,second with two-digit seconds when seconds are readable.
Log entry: 10,48
